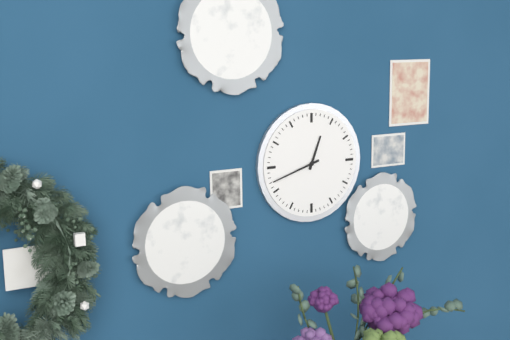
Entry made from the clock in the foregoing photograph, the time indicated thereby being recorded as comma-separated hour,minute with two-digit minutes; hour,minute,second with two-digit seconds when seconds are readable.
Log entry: 12,42
